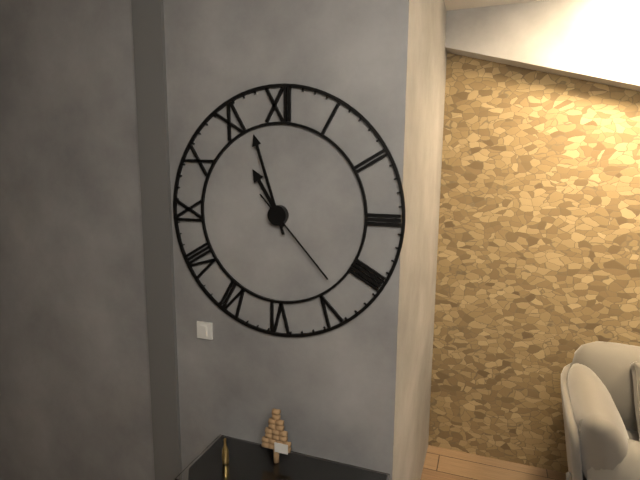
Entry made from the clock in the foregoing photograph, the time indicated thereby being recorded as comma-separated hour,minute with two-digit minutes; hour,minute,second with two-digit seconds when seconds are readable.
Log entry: 10,57,23
